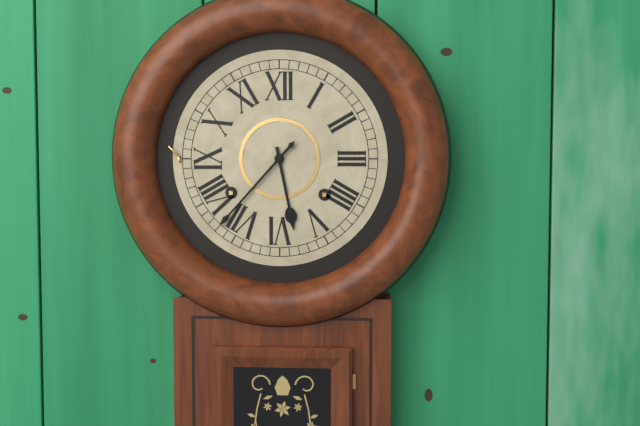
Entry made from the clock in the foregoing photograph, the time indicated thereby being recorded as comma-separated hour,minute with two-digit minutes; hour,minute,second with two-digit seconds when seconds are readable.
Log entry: 5,37
